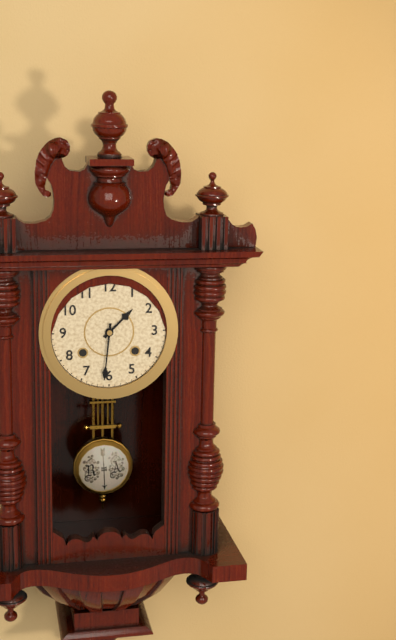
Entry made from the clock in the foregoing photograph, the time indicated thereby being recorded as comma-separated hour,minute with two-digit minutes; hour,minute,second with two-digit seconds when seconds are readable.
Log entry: 1,31
